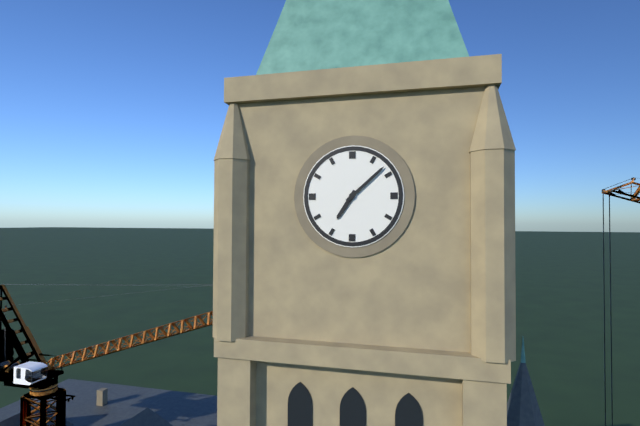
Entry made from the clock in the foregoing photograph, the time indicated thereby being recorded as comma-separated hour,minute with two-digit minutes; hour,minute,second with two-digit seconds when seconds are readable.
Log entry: 7,08
